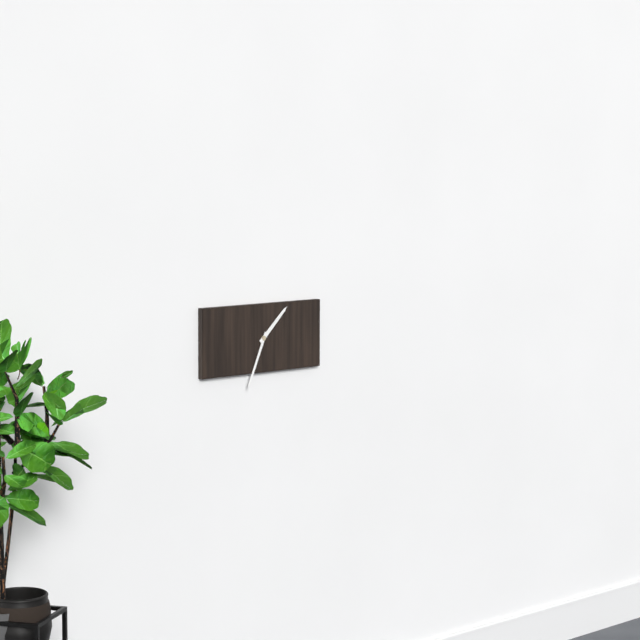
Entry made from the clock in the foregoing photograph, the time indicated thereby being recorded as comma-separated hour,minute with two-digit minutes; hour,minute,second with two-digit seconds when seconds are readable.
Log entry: 1,34
